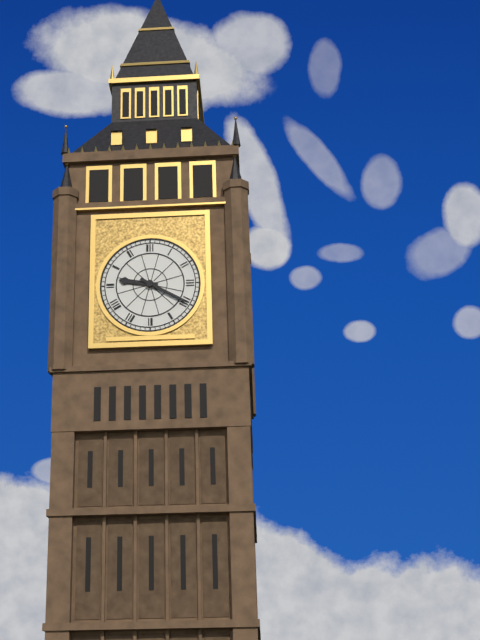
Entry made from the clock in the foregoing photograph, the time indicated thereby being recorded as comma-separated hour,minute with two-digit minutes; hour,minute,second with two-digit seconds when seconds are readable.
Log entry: 9,20
